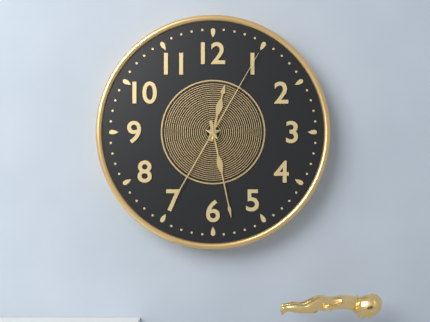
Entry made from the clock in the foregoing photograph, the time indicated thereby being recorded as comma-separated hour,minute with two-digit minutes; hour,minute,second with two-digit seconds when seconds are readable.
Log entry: 12,28,05
